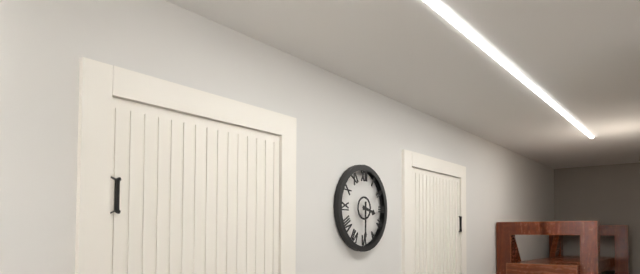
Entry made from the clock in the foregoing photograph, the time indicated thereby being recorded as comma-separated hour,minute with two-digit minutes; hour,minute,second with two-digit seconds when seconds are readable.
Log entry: 3,30
